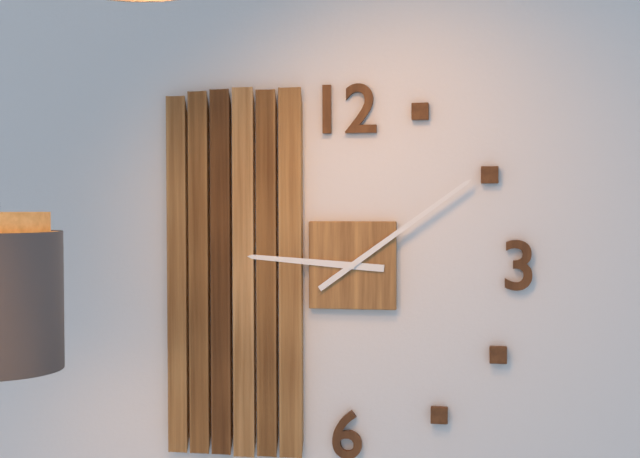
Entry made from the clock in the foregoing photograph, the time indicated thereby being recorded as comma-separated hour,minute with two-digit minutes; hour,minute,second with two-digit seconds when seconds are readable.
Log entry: 9,09
